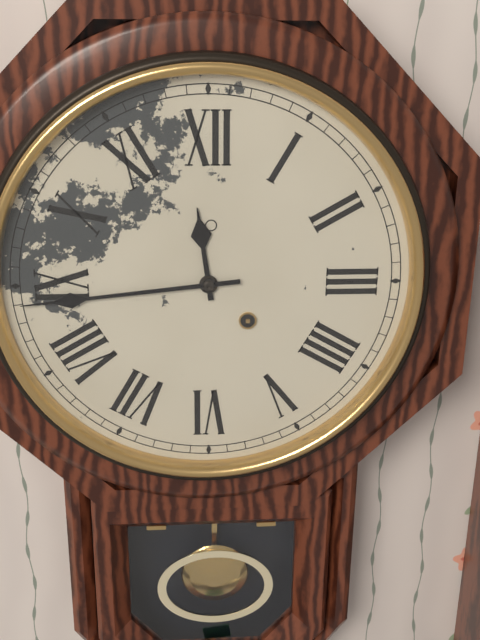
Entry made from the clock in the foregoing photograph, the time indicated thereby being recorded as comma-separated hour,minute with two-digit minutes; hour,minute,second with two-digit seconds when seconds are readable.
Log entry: 11,44
